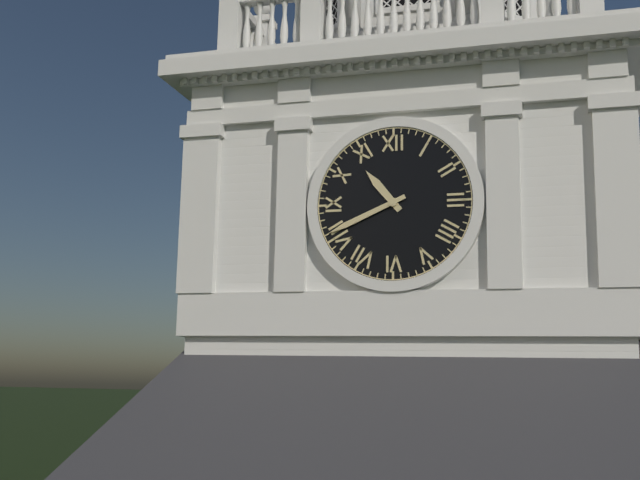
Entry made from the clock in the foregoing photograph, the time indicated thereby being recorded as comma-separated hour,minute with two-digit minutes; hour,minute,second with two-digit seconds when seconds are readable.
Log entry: 10,41
